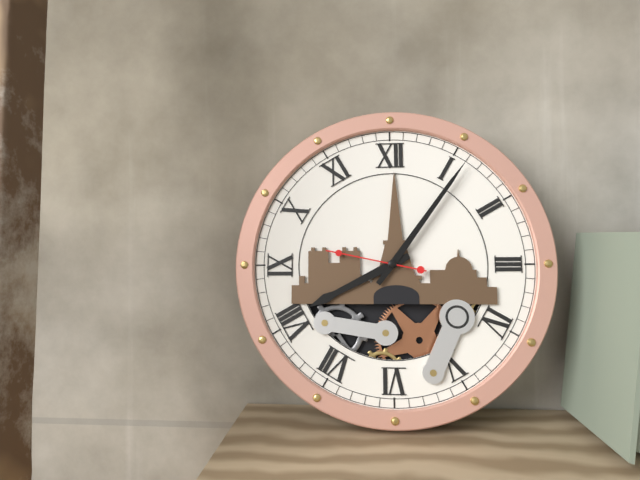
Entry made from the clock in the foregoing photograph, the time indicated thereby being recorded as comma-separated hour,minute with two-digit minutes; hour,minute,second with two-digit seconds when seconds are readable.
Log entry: 8,06,47
